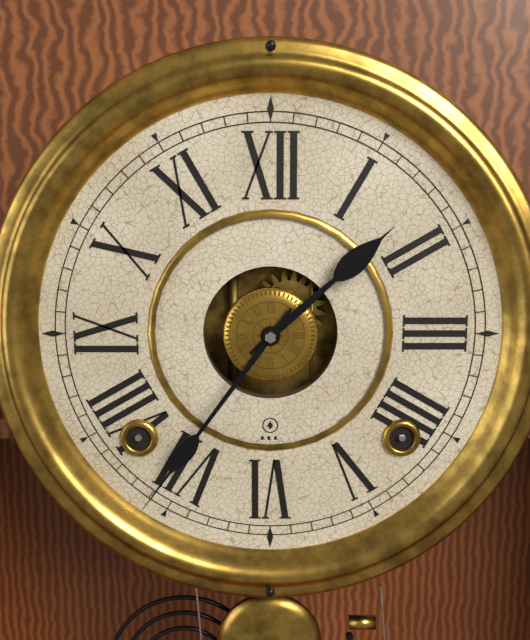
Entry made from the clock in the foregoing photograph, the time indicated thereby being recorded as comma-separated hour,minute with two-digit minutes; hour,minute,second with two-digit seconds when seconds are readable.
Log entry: 1,36
